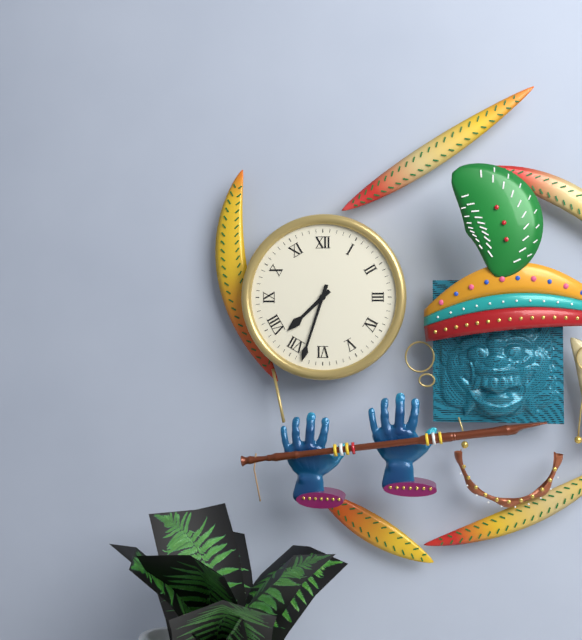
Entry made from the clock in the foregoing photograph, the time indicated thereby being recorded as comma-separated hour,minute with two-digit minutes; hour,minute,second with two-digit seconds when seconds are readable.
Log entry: 7,33
